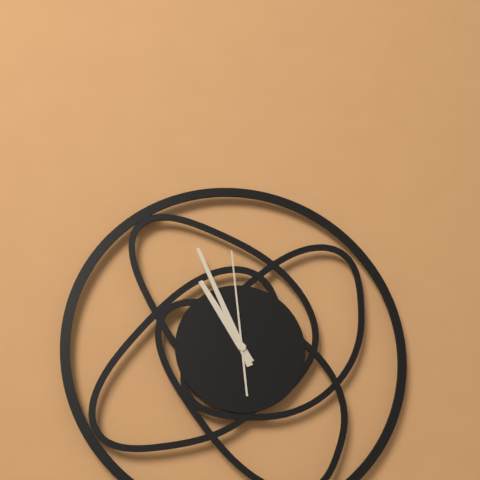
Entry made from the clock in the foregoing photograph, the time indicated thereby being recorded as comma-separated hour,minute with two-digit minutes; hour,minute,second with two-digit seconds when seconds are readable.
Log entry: 10,56,59
